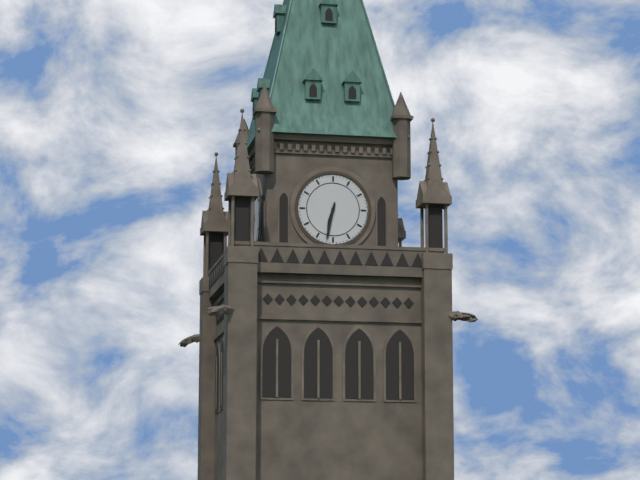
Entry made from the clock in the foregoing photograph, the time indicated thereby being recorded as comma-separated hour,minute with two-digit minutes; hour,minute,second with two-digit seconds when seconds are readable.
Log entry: 6,32
